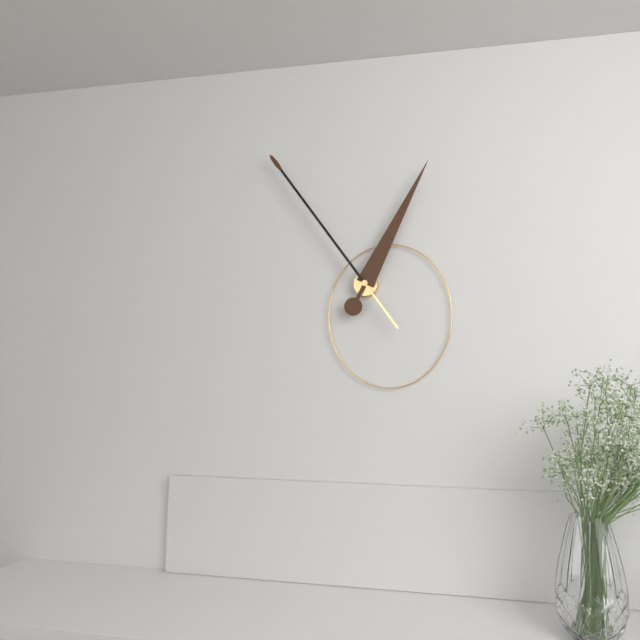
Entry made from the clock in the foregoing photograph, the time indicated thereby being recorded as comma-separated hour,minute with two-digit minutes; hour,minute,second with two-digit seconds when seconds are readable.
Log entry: 12,54
